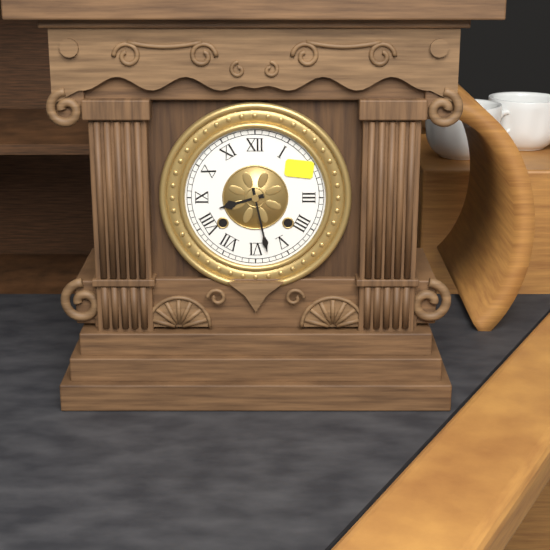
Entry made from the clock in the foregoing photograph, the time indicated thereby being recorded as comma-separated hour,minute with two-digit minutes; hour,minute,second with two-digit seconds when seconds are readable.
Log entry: 8,28
